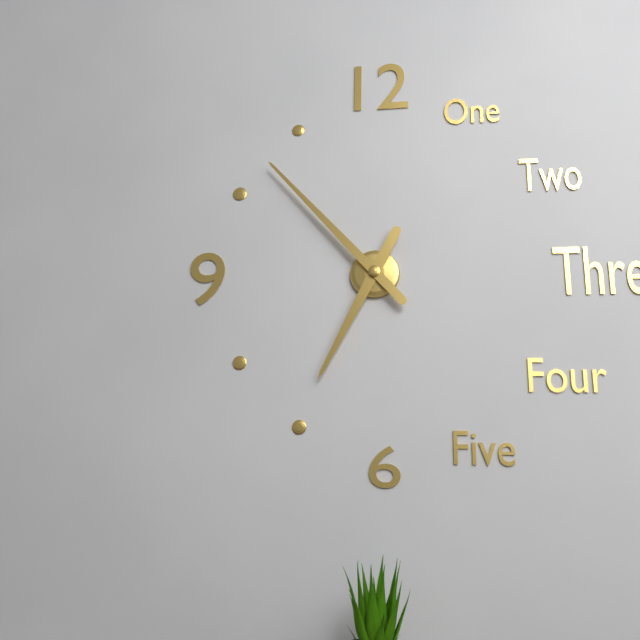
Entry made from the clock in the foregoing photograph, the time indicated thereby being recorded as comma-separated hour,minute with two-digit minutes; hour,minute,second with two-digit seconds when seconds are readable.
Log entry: 6,53
